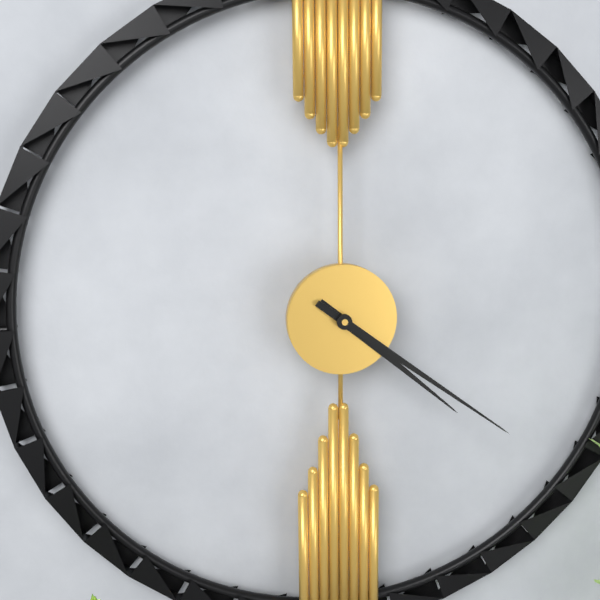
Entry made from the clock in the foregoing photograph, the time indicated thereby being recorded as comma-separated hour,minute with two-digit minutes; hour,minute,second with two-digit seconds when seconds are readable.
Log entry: 4,21
